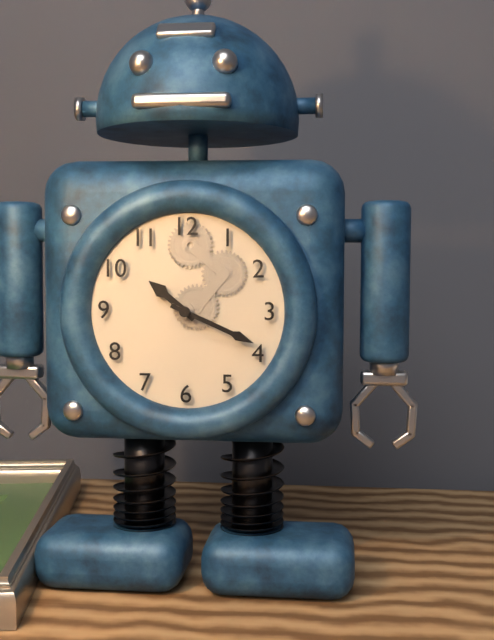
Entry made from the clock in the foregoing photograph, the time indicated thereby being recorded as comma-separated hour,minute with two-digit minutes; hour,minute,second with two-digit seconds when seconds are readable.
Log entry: 10,19
